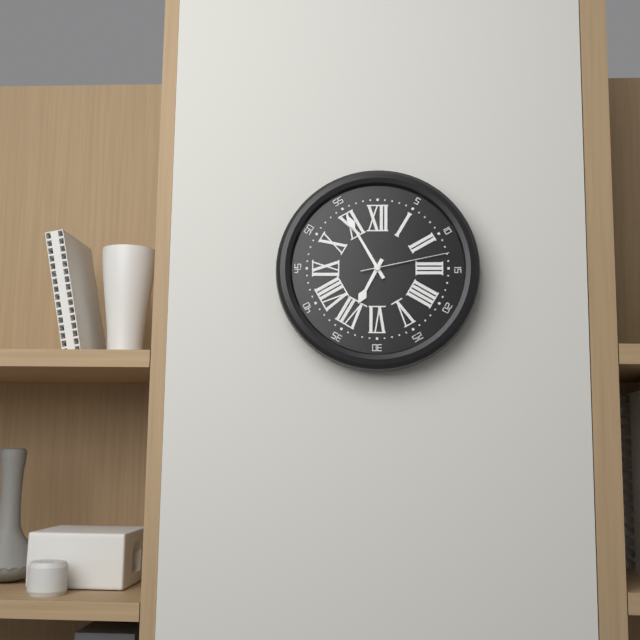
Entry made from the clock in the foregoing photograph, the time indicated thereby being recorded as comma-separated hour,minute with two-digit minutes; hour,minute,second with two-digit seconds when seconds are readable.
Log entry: 6,55,13
